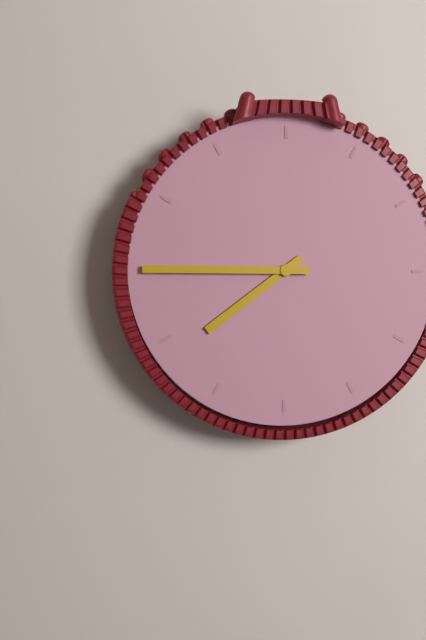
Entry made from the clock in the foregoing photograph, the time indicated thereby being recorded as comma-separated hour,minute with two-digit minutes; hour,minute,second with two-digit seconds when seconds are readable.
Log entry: 7,45
